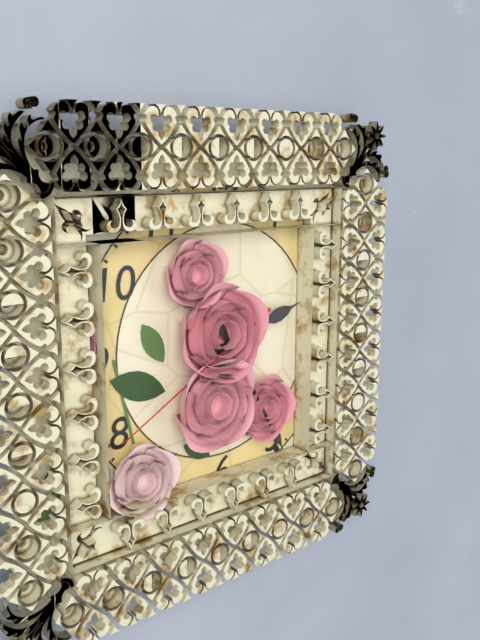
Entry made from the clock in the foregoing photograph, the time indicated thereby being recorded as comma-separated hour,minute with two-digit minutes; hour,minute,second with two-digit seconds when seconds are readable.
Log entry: 2,25,40
